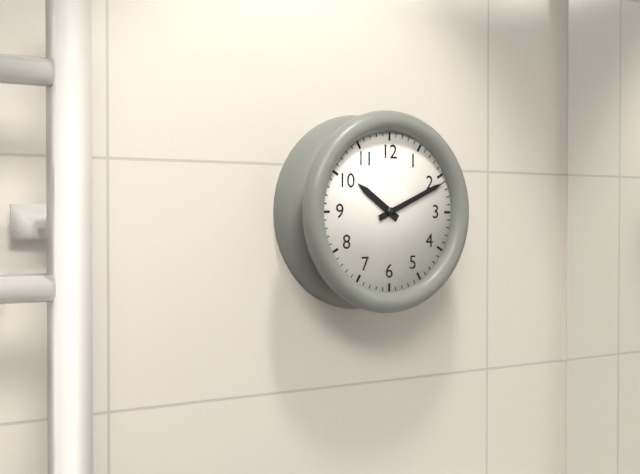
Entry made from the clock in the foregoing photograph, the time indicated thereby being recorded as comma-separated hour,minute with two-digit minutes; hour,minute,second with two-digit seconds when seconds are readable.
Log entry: 10,11
